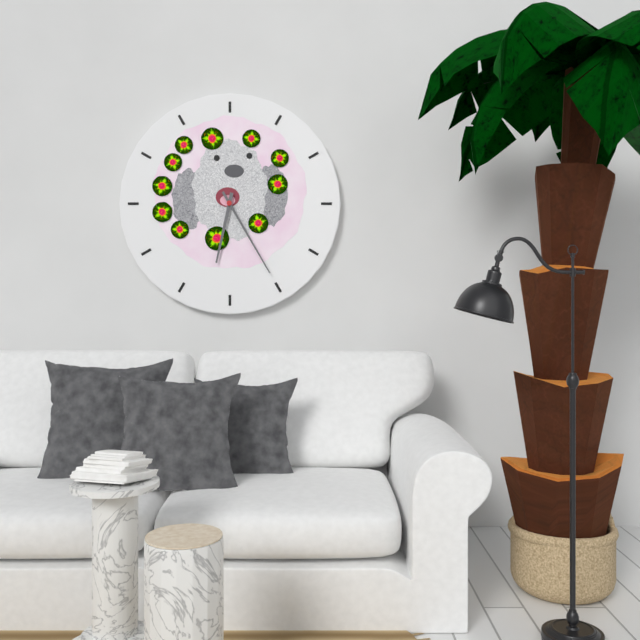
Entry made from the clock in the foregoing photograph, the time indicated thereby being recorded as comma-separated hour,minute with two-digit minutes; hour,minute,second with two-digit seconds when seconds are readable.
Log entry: 6,25
